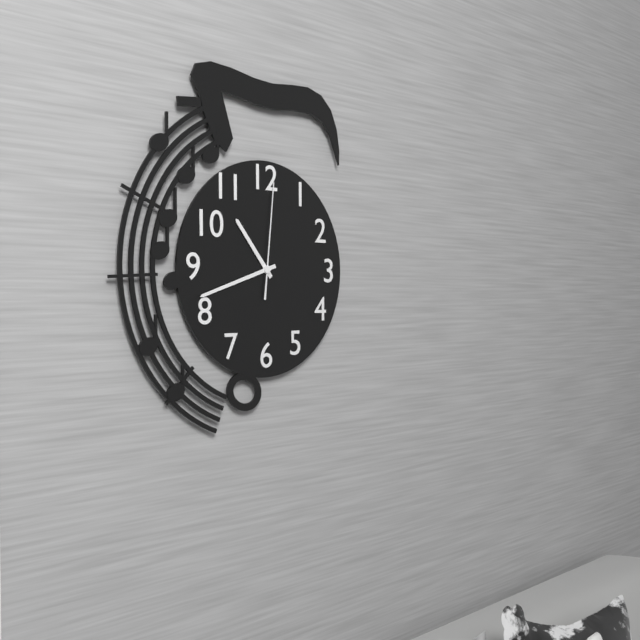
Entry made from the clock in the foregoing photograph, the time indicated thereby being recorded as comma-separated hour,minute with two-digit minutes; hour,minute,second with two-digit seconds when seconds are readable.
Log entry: 10,42,01
